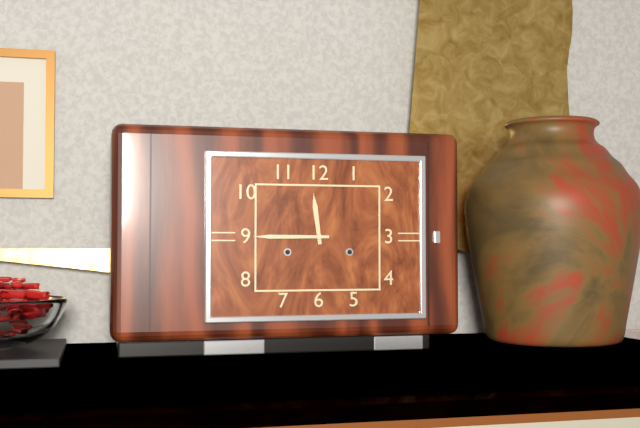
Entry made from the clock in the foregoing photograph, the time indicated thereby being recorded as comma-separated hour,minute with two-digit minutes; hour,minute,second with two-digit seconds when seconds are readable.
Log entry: 11,45
